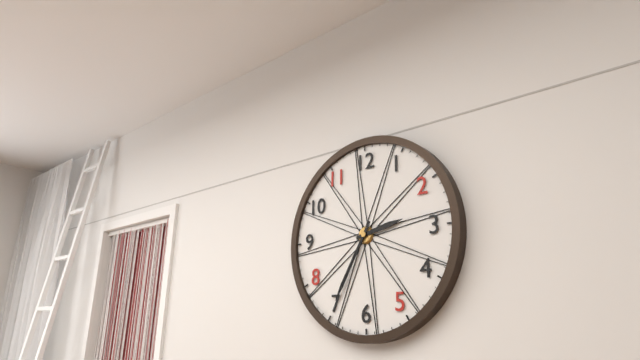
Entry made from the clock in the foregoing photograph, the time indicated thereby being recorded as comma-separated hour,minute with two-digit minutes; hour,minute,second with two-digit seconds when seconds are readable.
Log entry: 2,35
